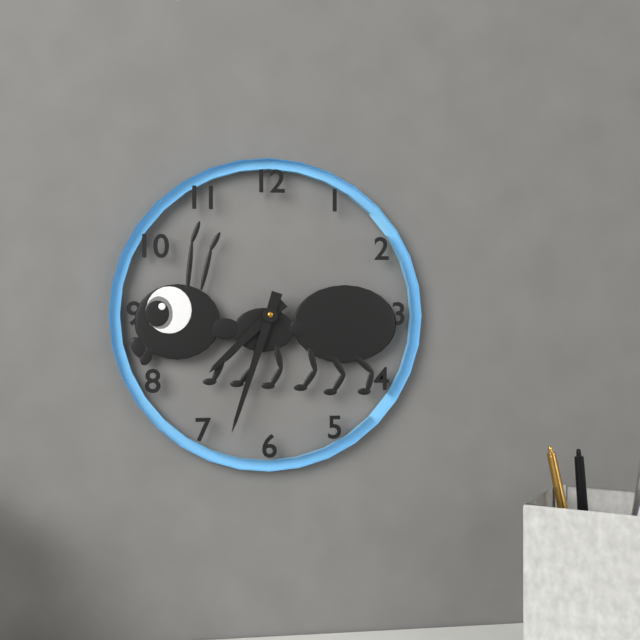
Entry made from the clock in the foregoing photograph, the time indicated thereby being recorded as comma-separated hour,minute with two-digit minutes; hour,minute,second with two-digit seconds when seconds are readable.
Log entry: 7,33
